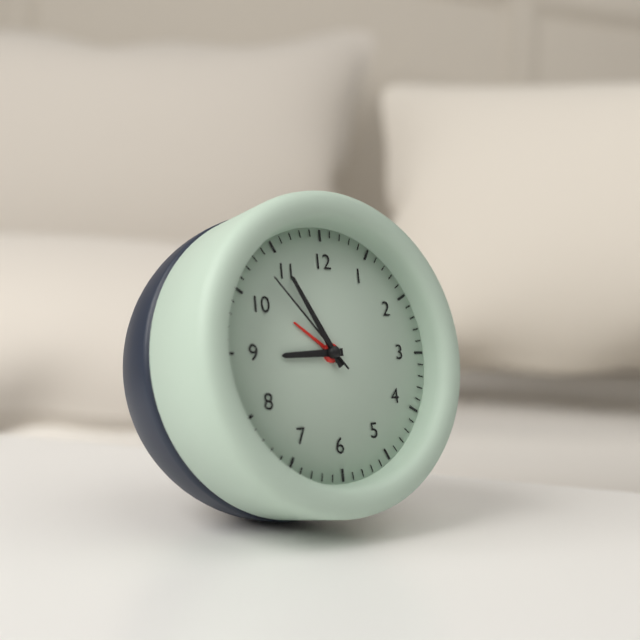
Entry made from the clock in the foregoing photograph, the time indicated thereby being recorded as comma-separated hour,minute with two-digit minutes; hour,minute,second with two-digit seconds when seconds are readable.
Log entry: 8,55,53
